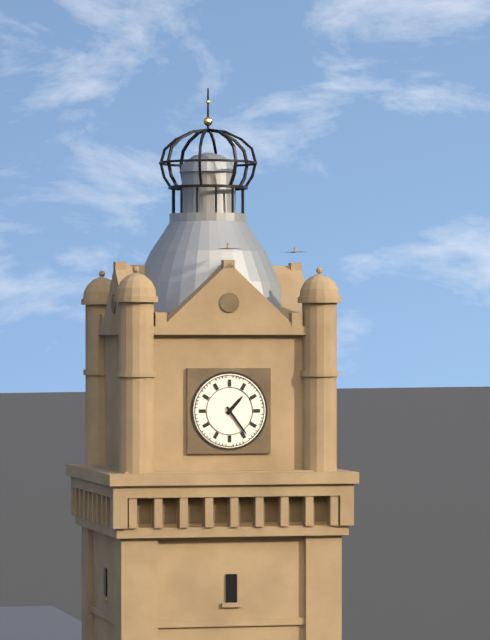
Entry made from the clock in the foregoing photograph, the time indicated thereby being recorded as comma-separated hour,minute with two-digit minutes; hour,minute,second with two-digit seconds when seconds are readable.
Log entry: 1,24
